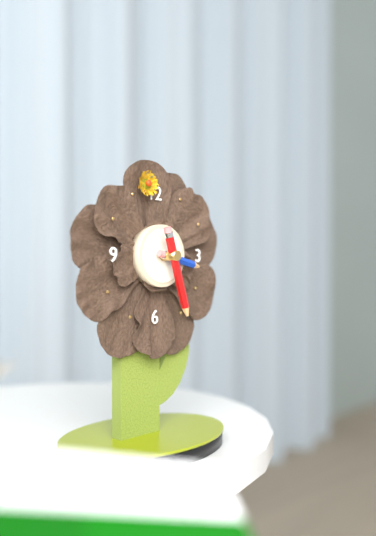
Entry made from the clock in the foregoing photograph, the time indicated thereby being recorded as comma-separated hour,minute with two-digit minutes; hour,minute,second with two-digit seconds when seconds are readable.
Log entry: 3,27
